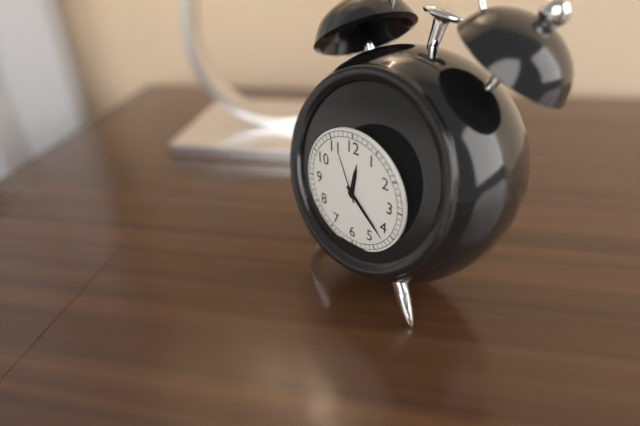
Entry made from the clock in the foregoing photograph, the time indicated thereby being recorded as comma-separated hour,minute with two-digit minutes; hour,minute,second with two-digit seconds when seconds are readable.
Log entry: 12,22,56
